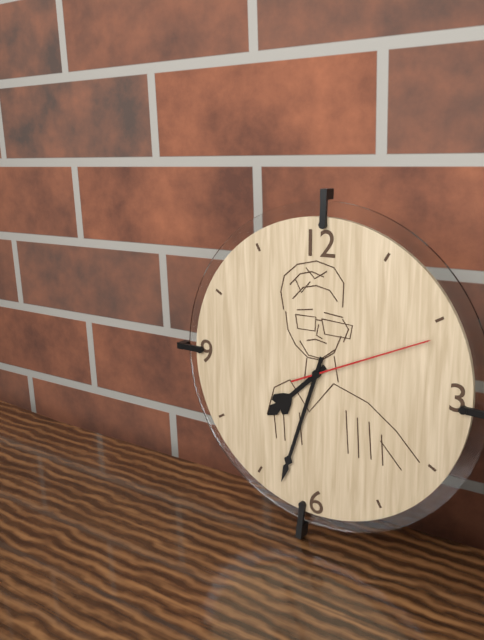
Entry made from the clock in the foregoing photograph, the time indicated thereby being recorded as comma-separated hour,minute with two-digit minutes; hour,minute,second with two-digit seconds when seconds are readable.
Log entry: 7,33,11
